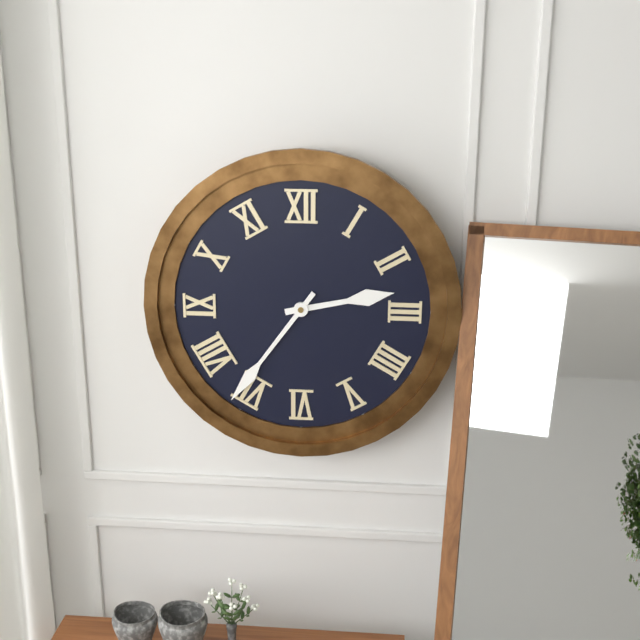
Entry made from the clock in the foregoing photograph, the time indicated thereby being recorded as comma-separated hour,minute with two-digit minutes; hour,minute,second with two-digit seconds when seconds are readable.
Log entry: 2,36
